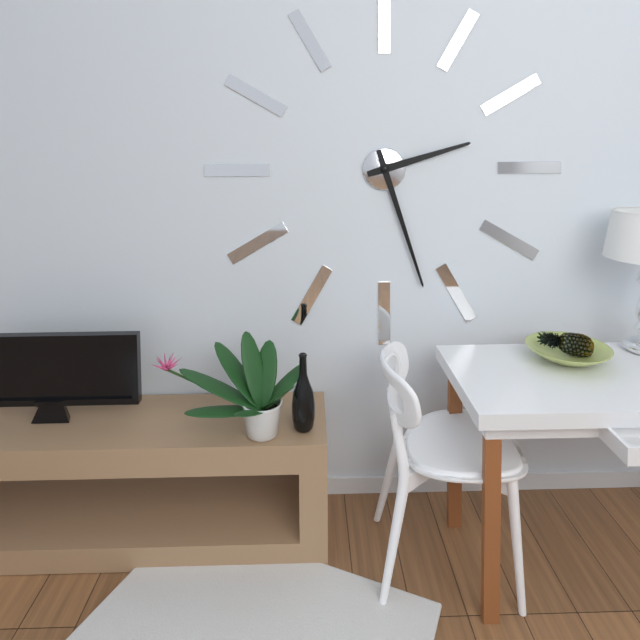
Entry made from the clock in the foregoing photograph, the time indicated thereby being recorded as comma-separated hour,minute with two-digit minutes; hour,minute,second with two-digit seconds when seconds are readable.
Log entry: 2,27
